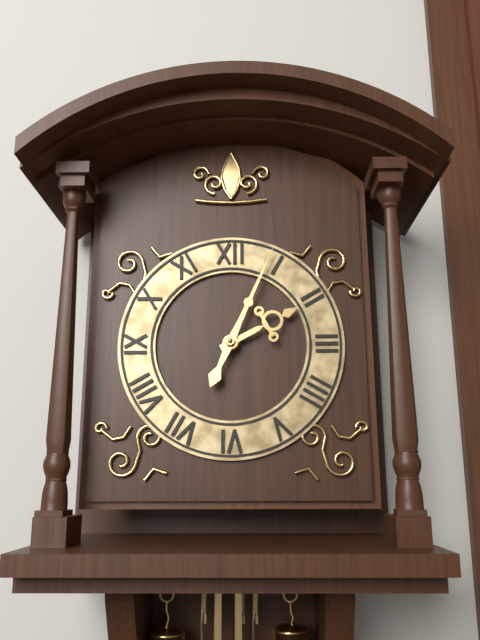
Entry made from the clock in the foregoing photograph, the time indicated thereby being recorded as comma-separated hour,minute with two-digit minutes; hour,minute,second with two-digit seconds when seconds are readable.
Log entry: 2,04
